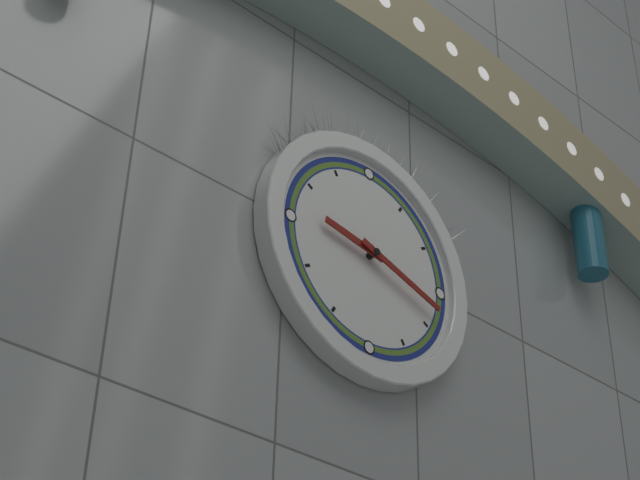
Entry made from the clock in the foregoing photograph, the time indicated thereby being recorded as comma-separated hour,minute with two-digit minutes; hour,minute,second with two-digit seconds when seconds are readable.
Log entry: 9,18
